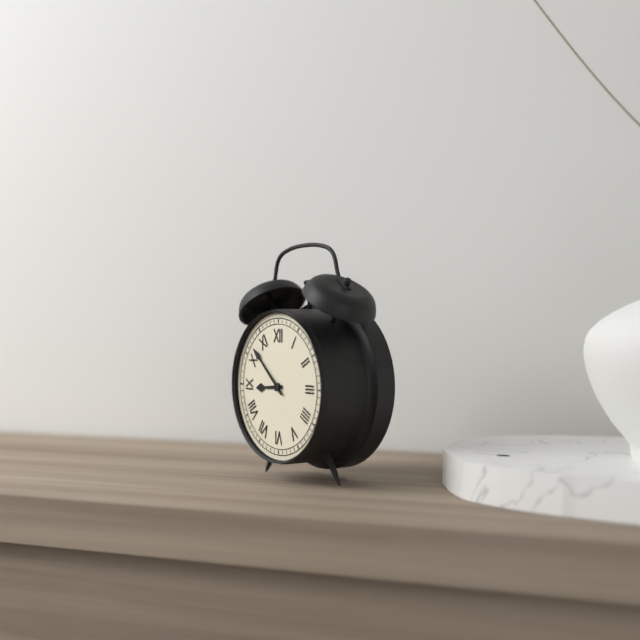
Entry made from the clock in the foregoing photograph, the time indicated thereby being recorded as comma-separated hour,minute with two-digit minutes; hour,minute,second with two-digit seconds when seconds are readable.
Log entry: 8,52
